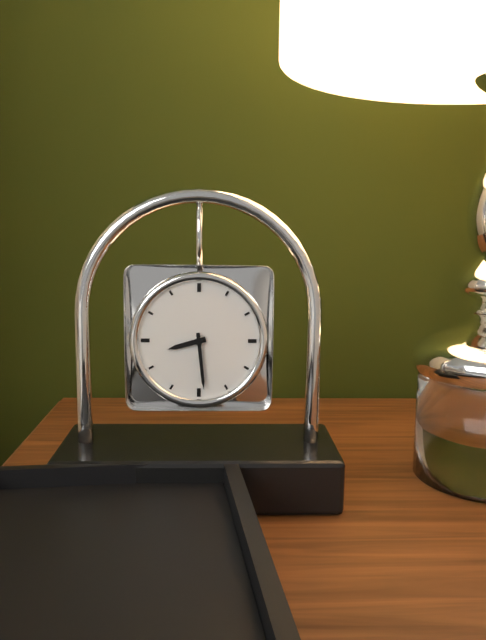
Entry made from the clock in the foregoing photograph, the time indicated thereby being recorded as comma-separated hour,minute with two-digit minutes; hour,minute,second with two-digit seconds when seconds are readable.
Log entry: 8,29
